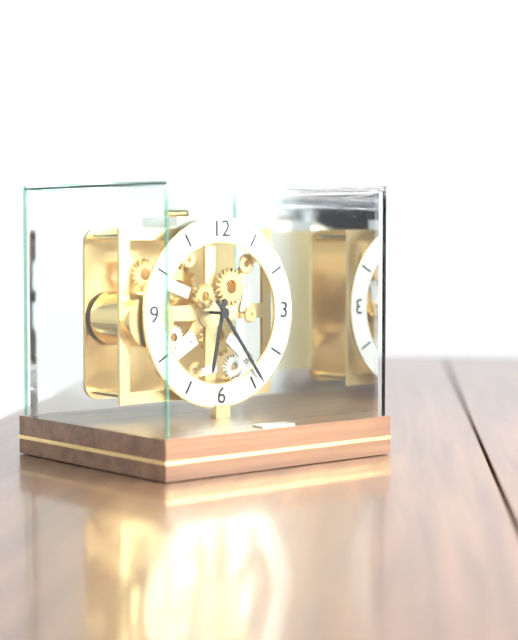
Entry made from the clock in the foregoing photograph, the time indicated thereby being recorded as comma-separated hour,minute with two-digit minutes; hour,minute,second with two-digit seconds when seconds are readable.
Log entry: 6,24
